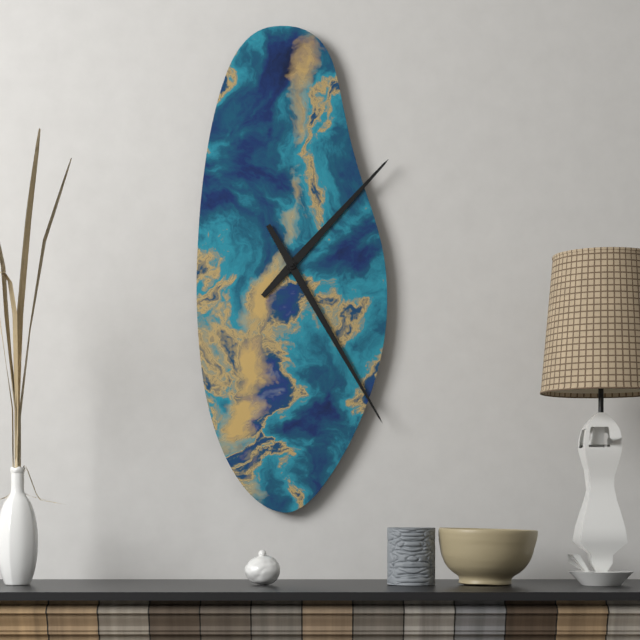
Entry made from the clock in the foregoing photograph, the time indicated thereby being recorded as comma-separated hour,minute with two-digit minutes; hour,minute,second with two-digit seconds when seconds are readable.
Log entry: 1,25
